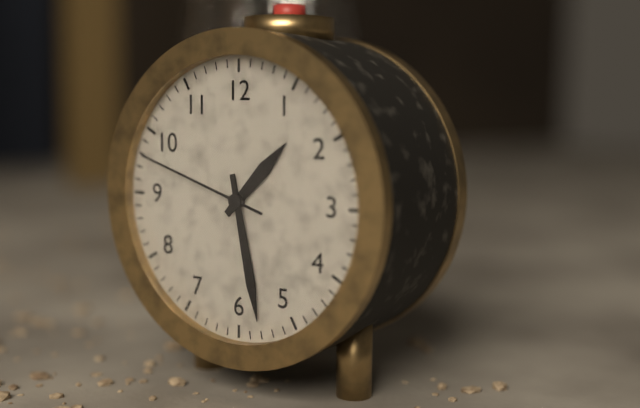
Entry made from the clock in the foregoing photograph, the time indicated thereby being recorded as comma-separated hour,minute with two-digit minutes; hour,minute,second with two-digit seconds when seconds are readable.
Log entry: 1,28,48
